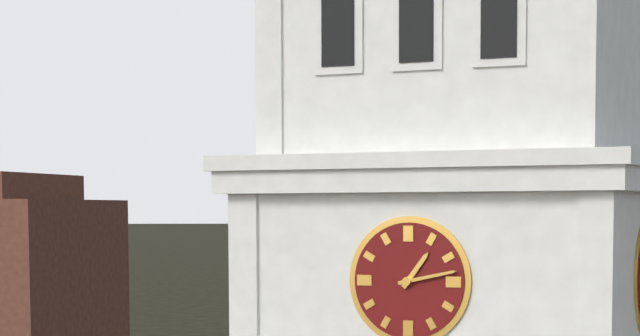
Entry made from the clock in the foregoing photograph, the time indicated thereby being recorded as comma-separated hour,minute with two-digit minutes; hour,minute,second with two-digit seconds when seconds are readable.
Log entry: 1,13
